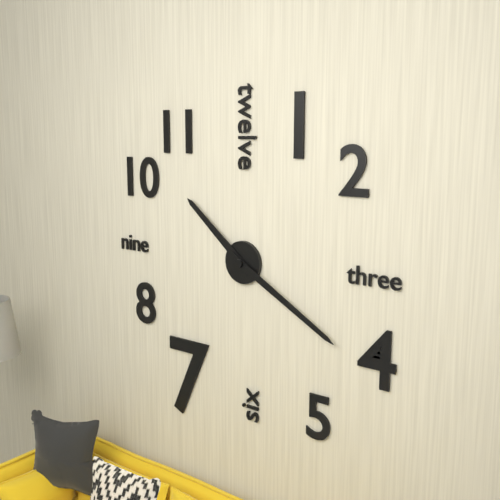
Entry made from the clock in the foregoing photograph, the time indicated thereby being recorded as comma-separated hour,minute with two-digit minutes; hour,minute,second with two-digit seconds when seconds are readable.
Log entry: 10,20
